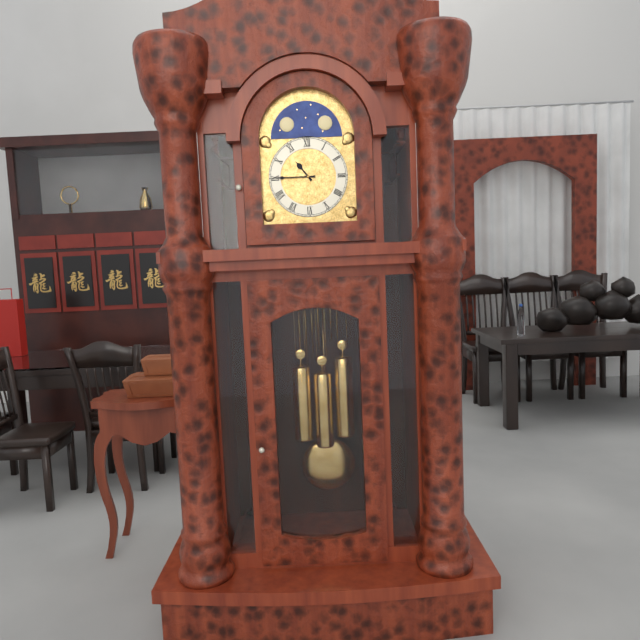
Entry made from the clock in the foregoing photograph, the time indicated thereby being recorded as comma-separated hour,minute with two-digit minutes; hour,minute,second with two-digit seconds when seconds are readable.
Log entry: 10,45
